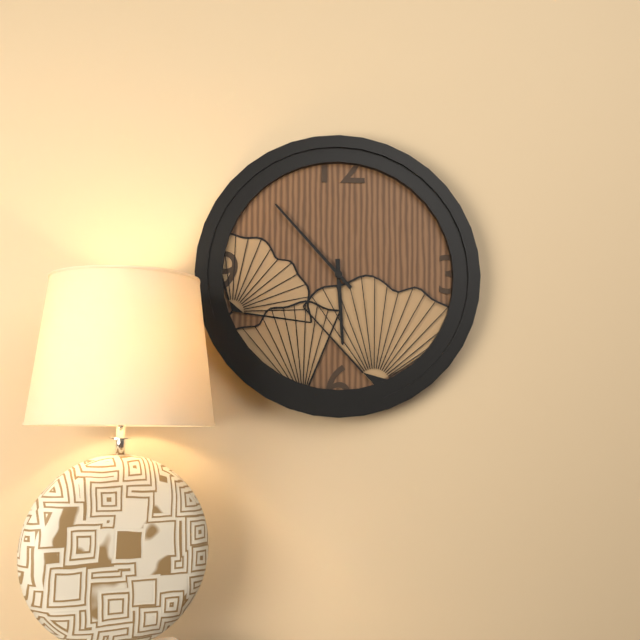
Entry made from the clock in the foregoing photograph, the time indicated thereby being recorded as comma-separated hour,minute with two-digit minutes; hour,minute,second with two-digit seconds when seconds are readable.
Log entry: 5,53
